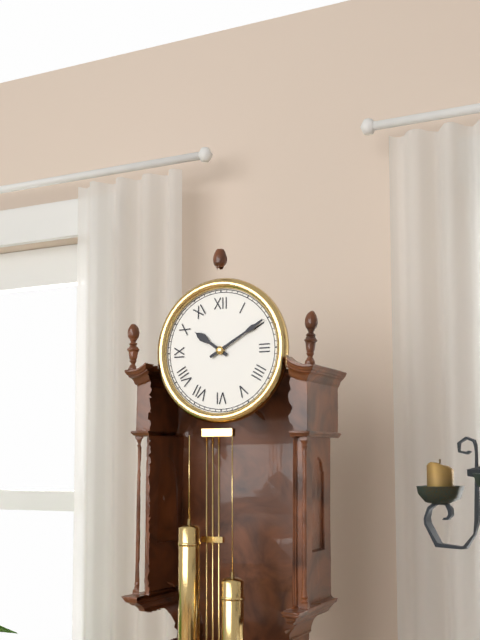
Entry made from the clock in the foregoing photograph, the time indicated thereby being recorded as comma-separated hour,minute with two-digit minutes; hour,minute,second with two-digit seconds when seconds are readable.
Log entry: 10,10
